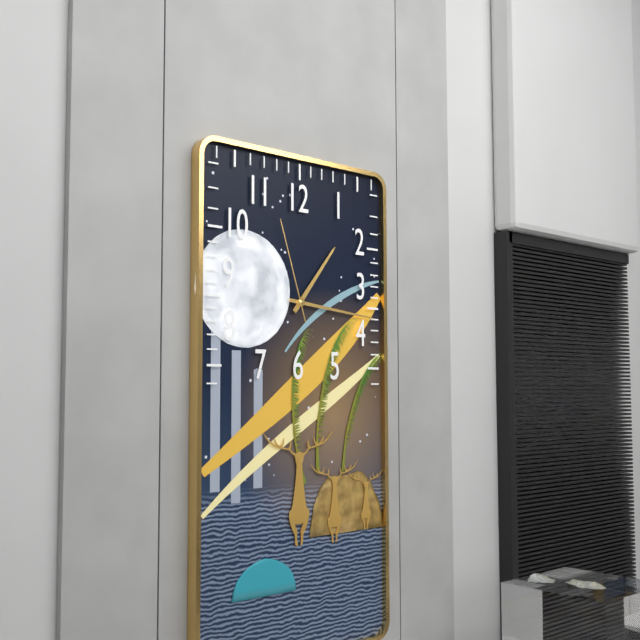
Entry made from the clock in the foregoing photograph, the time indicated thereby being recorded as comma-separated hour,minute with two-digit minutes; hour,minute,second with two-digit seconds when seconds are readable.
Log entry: 1,16,57
